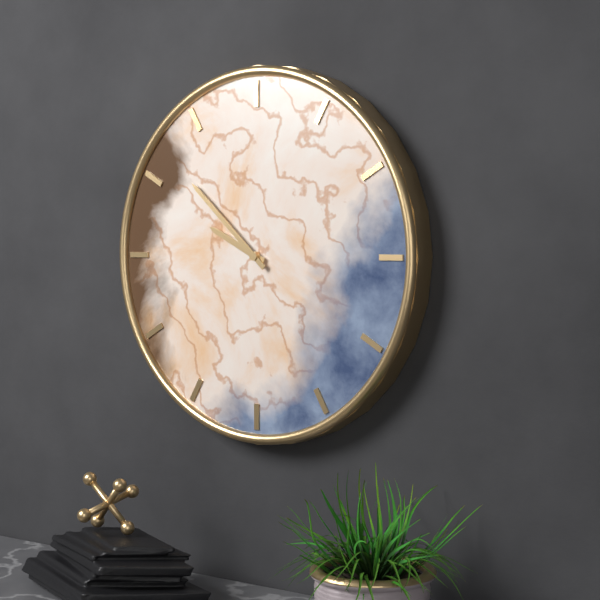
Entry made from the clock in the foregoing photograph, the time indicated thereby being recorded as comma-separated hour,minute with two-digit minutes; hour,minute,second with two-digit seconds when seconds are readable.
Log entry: 9,52
